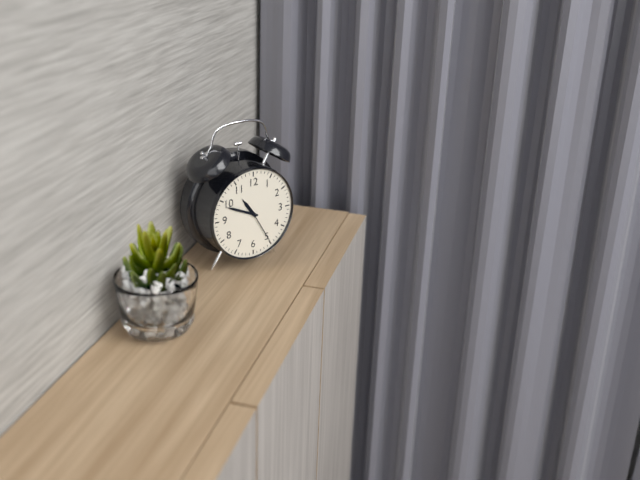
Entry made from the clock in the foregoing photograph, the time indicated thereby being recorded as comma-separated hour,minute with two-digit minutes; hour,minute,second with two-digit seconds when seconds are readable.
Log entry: 10,49,25
